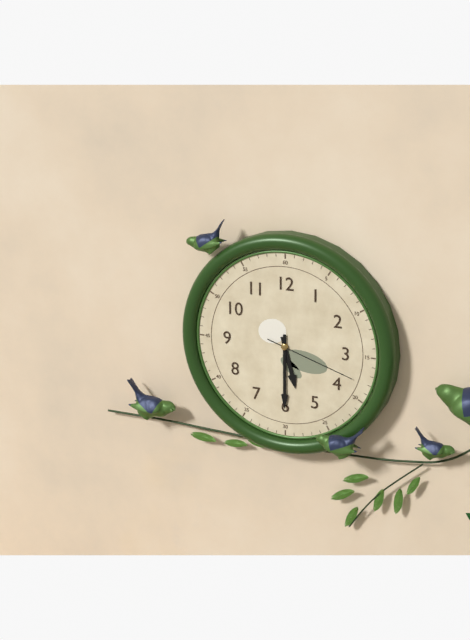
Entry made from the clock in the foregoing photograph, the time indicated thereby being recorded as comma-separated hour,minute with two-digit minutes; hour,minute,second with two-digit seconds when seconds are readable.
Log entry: 5,30,18
